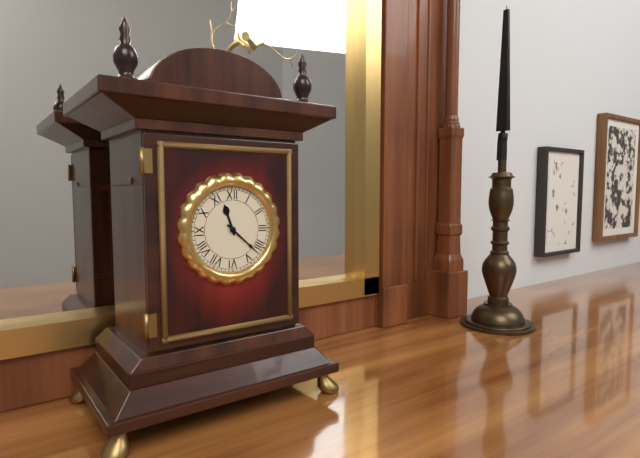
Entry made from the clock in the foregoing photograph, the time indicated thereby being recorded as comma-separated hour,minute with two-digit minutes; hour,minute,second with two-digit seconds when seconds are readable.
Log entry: 11,22
